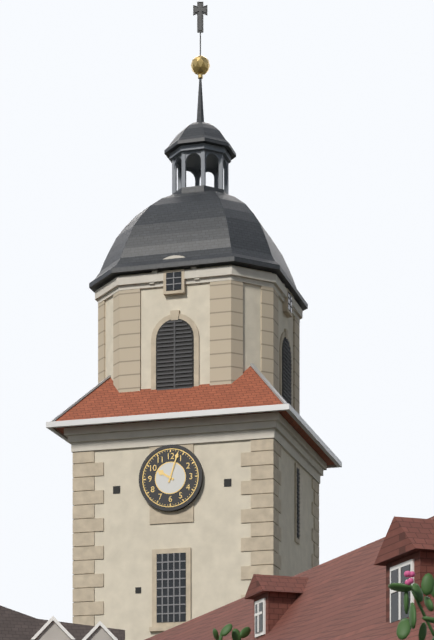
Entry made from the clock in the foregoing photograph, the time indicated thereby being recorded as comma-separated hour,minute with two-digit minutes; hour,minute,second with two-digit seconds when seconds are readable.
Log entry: 10,03
